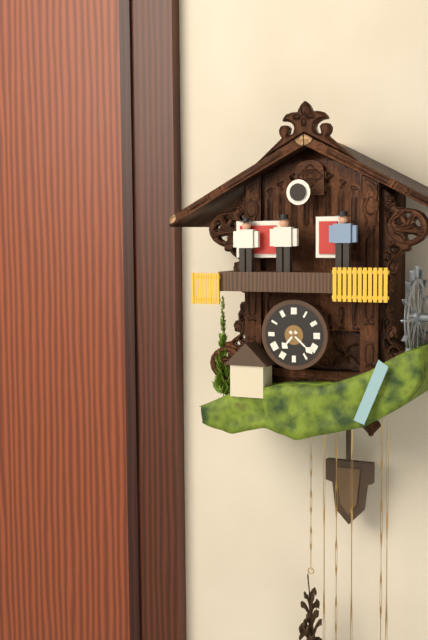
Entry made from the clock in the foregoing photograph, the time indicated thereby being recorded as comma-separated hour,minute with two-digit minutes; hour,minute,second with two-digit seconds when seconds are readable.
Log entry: 7,22
